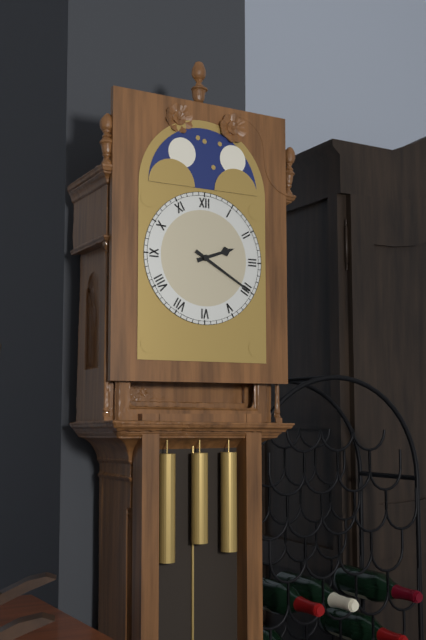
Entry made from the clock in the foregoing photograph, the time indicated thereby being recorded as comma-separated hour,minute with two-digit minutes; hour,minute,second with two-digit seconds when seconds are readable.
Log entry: 2,20
